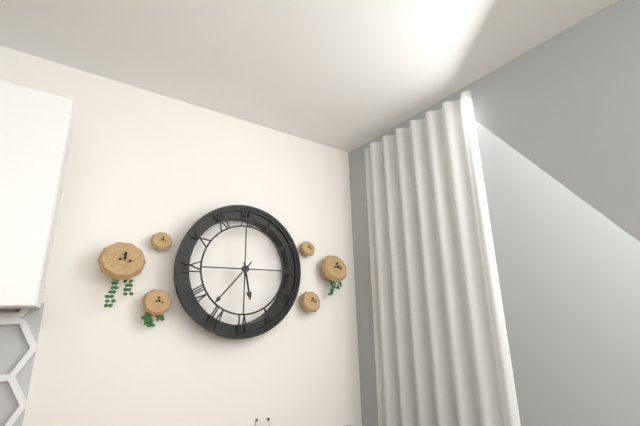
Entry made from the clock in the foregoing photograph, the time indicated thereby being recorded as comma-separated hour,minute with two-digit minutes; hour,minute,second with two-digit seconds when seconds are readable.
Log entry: 5,37
